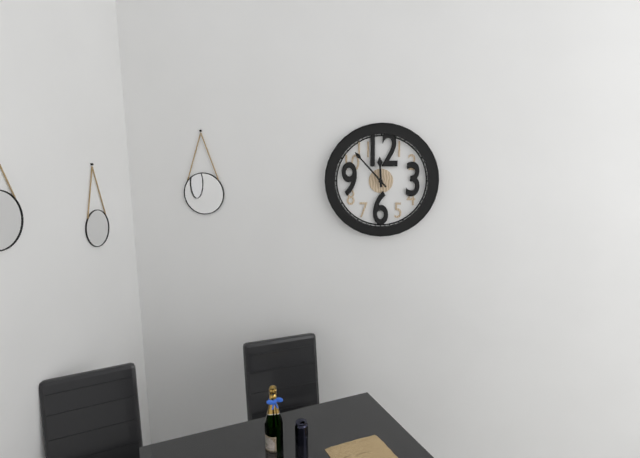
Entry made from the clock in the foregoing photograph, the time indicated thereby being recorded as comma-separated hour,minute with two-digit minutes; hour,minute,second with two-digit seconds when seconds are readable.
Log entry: 11,53
